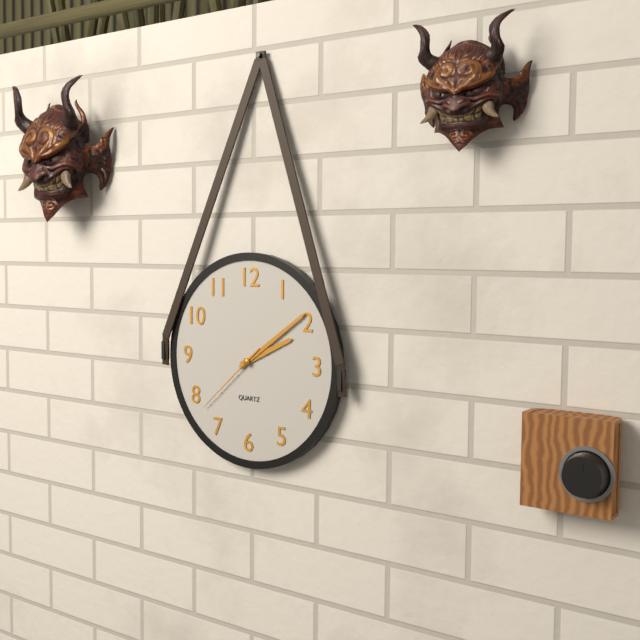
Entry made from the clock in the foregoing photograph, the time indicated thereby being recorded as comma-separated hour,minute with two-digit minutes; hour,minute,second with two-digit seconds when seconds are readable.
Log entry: 2,09,38
